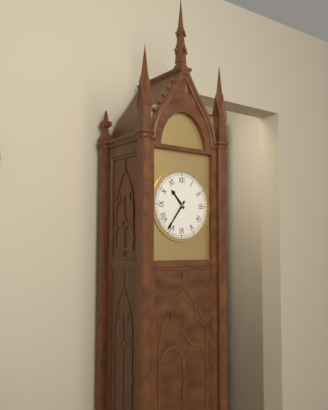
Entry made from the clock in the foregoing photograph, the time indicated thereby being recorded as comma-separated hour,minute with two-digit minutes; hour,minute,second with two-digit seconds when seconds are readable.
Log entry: 10,36
